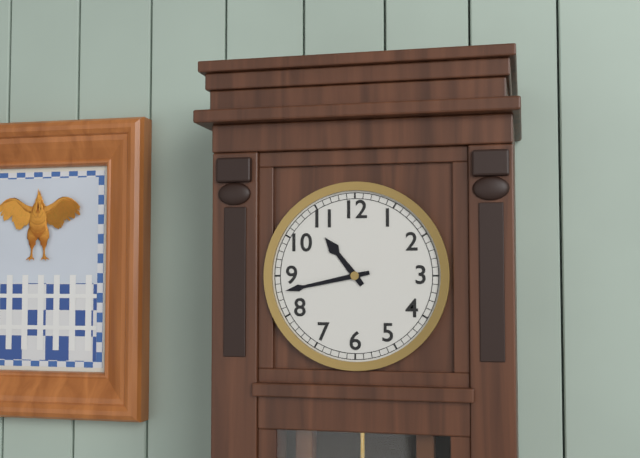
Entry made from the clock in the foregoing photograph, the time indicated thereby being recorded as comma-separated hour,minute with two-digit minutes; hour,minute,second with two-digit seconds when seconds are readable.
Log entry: 10,43
